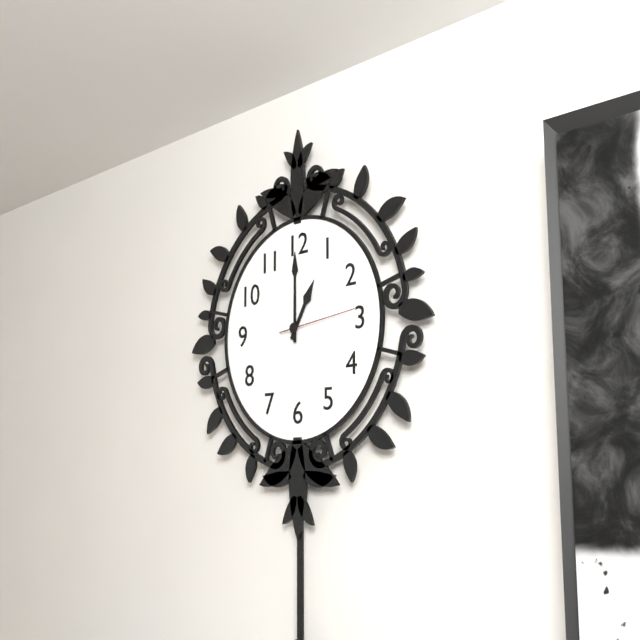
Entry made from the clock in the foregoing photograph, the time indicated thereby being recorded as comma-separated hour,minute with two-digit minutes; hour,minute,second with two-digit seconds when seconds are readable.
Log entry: 1,00,14
